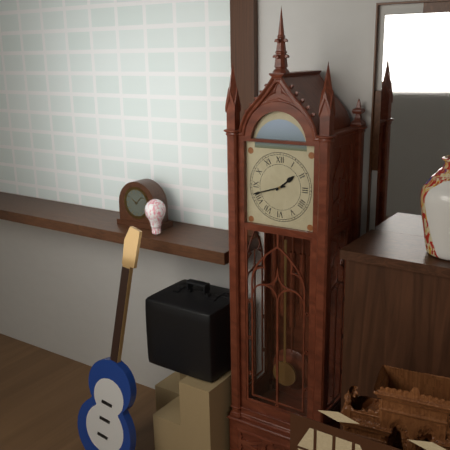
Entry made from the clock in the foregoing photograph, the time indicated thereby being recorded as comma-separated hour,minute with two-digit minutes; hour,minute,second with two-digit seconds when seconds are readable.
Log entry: 1,42
